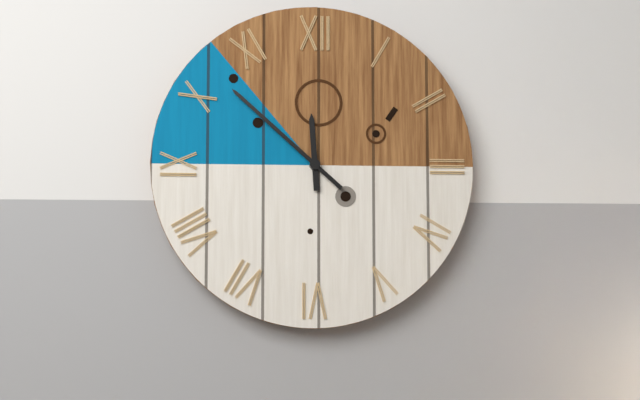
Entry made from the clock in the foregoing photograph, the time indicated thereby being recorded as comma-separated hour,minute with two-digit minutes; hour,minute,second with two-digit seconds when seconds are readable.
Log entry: 11,52
